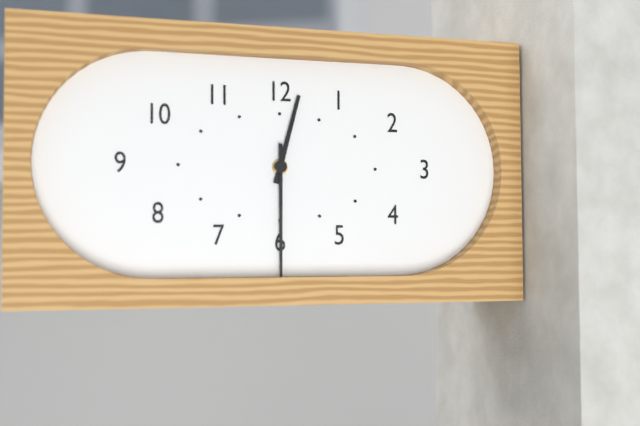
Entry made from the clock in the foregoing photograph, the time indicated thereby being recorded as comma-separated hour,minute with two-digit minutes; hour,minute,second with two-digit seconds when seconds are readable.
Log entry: 12,30
